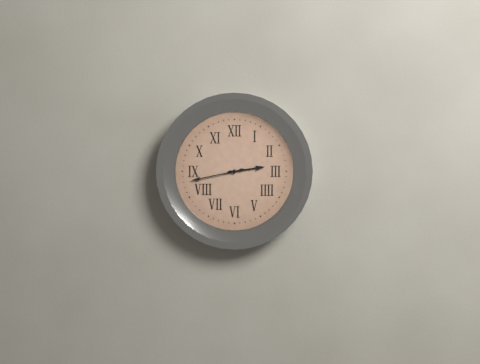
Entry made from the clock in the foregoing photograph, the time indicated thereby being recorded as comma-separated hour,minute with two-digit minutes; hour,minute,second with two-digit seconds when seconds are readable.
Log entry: 2,43
